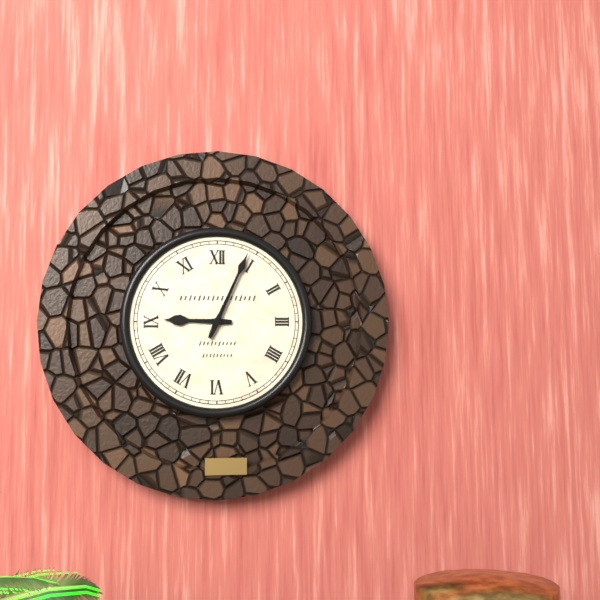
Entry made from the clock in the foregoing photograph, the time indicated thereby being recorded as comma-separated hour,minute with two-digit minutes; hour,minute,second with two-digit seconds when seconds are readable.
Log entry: 9,04
